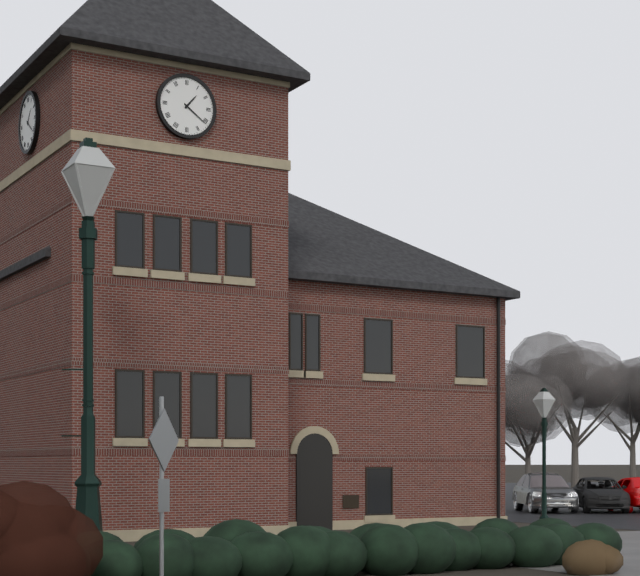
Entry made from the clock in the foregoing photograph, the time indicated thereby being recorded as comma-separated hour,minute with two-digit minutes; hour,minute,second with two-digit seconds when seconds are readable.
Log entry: 1,21
